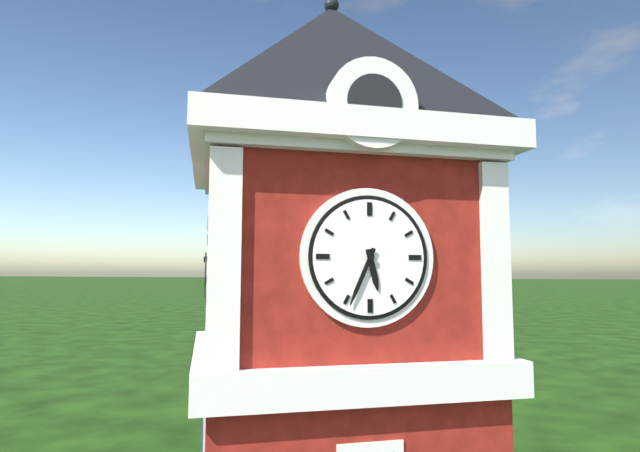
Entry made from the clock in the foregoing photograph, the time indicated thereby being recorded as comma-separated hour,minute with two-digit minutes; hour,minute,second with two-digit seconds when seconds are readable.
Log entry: 5,34
